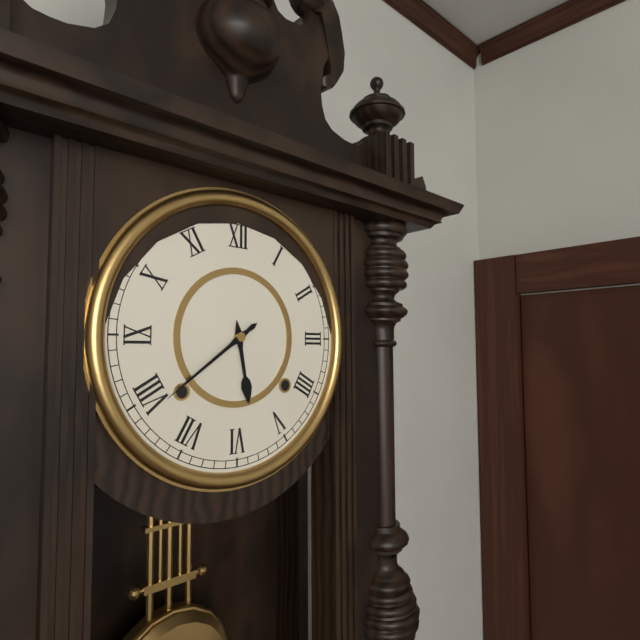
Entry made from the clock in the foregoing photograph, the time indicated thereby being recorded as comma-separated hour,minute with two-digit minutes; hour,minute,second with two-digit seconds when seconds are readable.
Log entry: 5,39
